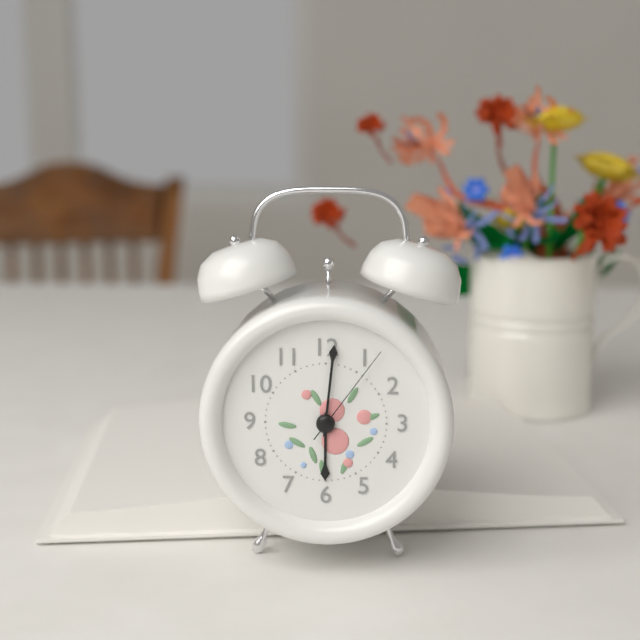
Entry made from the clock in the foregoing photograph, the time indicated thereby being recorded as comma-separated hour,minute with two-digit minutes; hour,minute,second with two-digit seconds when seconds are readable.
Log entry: 6,01,06
